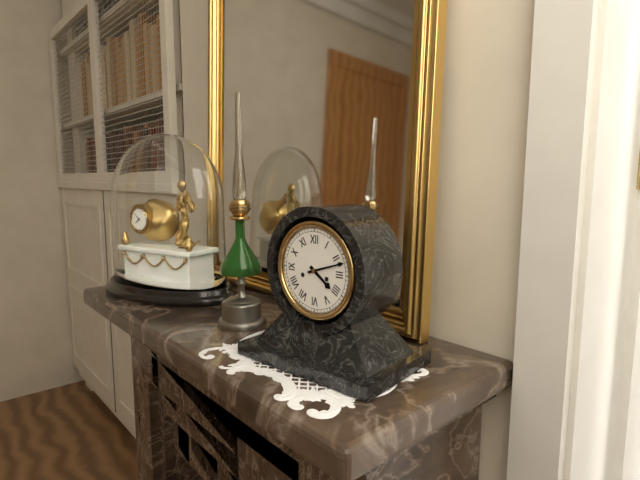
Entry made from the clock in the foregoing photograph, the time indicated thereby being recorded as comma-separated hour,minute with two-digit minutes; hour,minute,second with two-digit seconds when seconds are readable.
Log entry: 4,12
